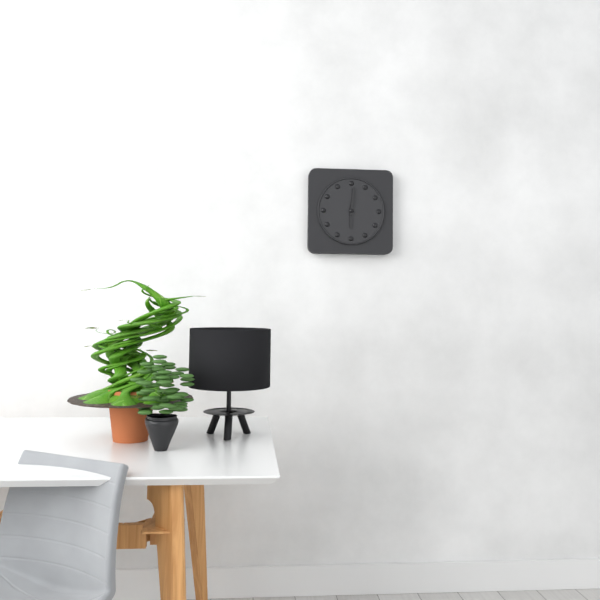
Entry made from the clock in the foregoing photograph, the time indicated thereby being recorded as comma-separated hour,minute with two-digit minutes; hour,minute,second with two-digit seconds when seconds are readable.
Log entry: 6,01
